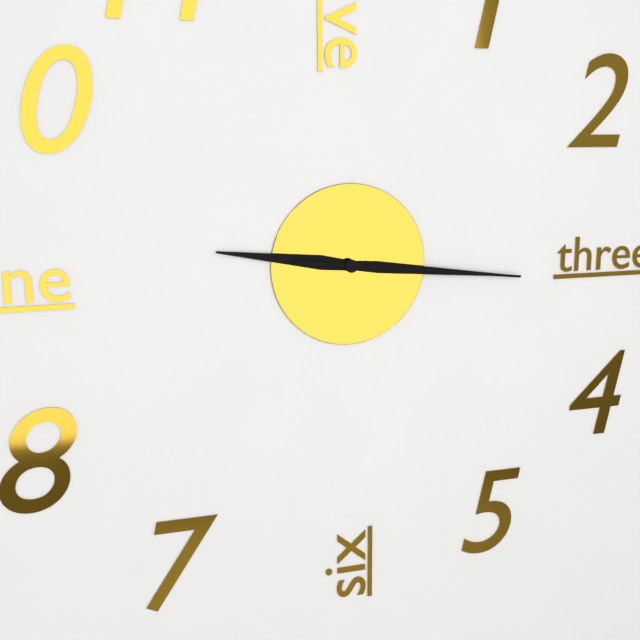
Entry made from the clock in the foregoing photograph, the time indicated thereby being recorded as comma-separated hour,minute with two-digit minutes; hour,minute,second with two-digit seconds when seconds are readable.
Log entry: 9,16,16
